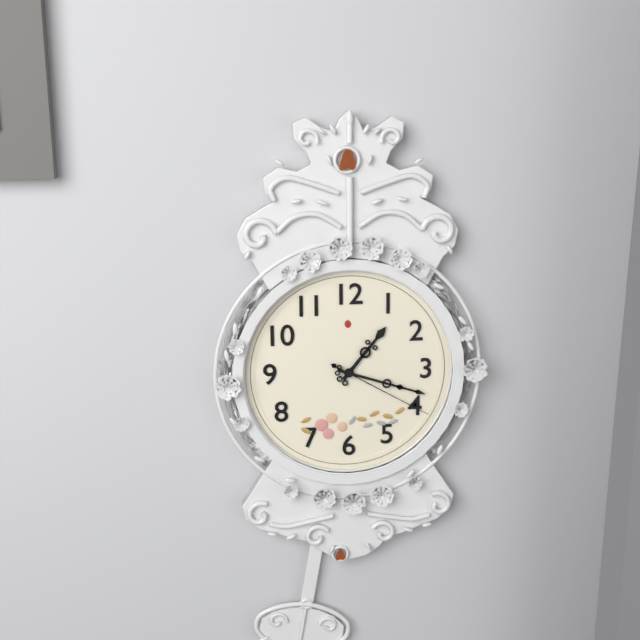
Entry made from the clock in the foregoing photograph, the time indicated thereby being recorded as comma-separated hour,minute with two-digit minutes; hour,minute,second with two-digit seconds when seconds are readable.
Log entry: 1,18,20
